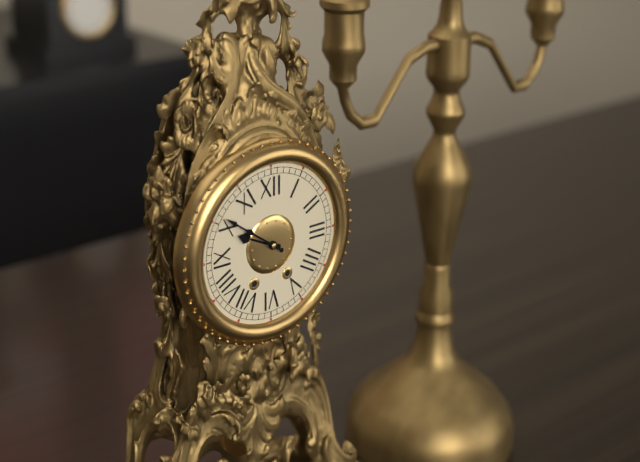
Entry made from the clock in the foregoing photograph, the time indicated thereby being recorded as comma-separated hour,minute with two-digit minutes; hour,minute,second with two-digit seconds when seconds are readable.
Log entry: 9,51
